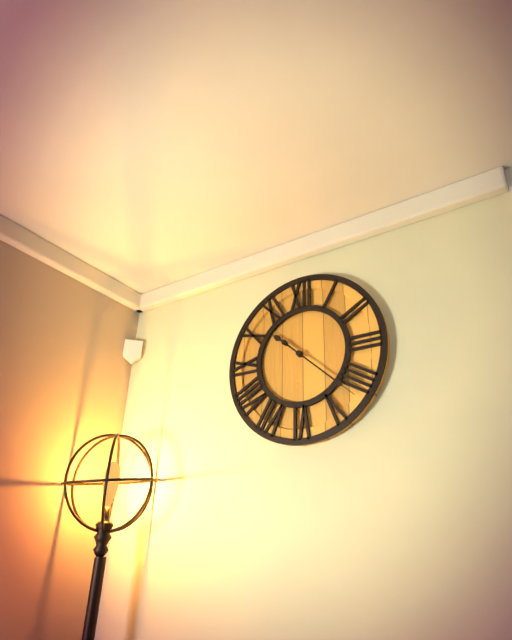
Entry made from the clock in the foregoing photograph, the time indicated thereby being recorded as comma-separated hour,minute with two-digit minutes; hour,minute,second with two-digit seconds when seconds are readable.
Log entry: 10,22
